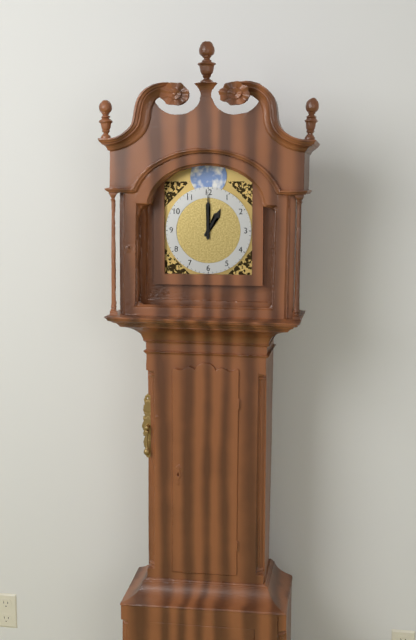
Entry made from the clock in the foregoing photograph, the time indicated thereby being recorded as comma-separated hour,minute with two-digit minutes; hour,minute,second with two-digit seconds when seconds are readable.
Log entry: 1,00
